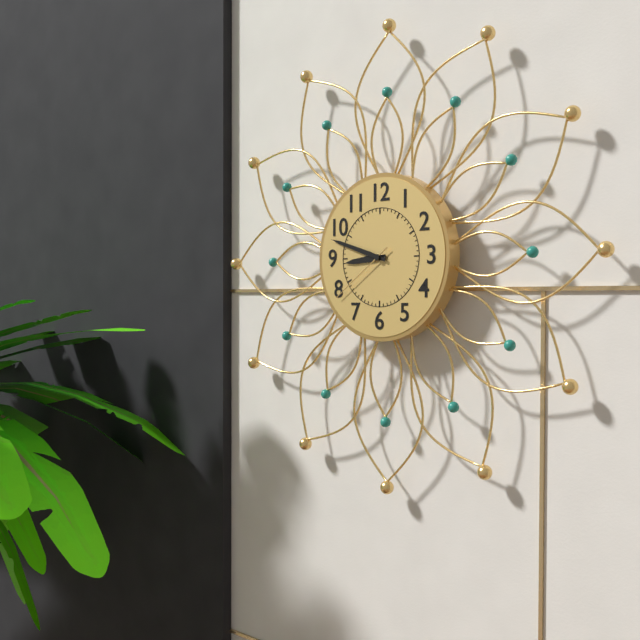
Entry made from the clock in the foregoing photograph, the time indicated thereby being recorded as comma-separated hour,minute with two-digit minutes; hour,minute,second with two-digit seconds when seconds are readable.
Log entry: 8,48,39
